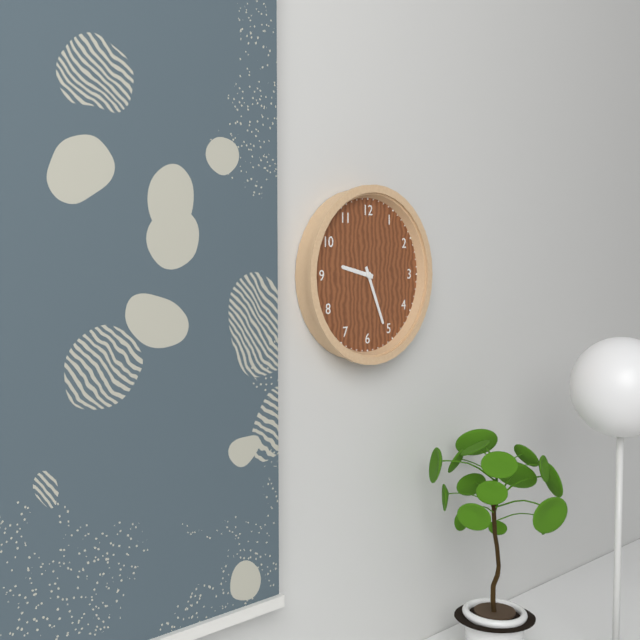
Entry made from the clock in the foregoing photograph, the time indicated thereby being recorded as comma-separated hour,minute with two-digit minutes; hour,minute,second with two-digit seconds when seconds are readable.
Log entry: 9,26
